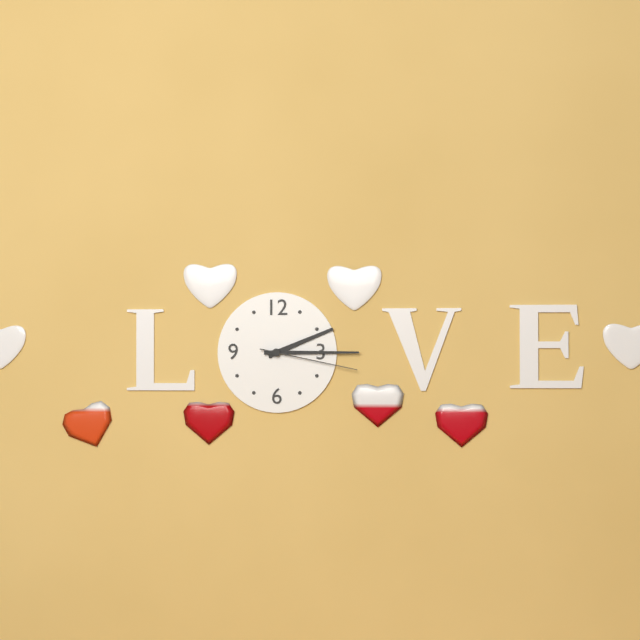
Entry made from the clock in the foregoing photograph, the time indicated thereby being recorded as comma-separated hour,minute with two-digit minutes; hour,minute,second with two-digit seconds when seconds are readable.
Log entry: 2,15,17
